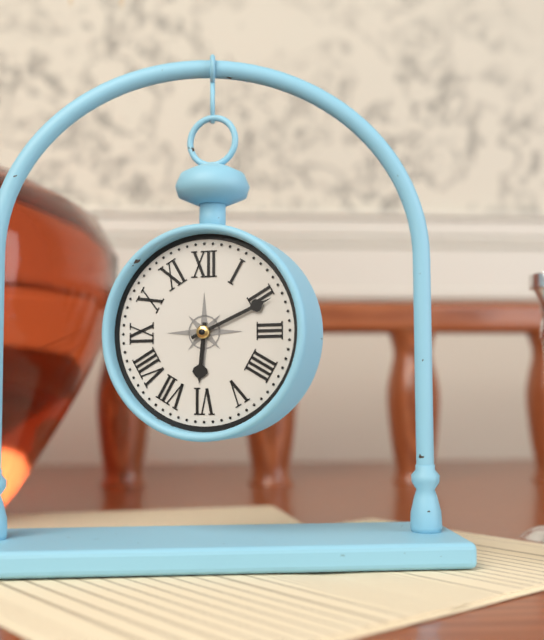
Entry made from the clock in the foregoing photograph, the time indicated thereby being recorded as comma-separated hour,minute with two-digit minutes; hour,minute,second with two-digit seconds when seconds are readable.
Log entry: 6,11
